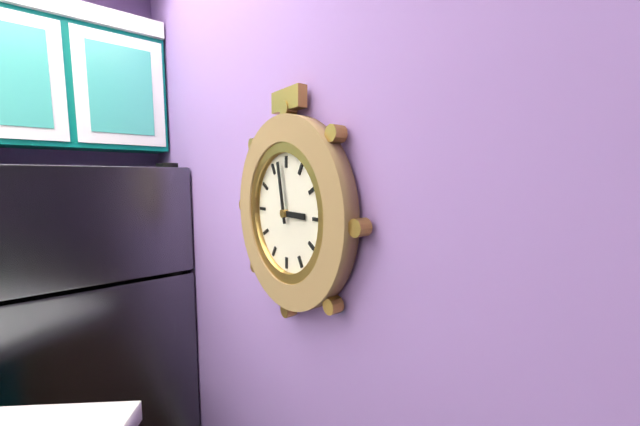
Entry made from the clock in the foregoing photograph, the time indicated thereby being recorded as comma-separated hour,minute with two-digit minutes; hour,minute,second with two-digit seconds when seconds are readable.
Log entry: 2,58
